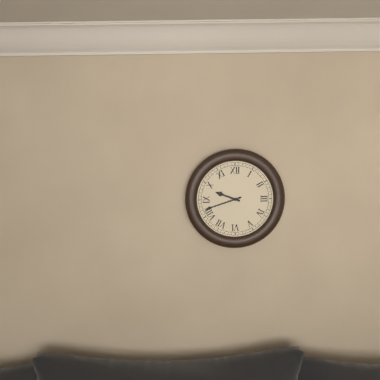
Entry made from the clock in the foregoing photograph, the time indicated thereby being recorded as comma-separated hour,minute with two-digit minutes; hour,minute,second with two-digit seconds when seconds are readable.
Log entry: 9,42
